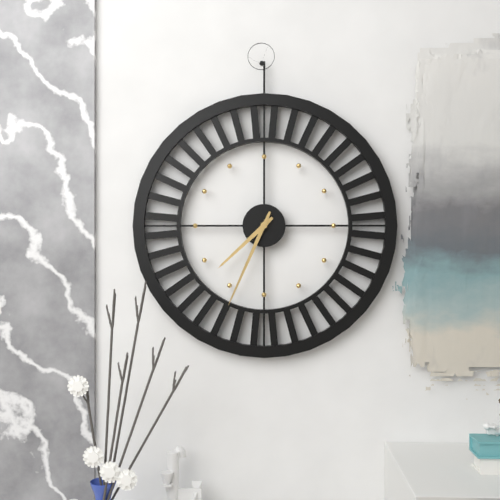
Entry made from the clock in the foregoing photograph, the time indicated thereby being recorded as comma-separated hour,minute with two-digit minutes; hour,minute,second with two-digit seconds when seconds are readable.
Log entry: 7,34
